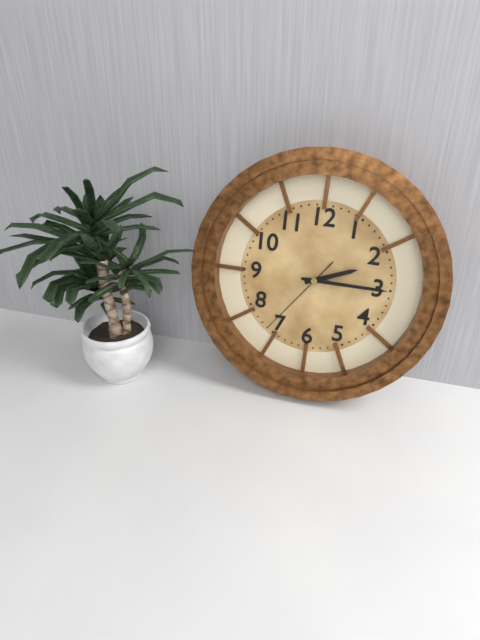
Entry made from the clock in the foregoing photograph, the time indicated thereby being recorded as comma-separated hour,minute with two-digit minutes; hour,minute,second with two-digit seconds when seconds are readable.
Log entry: 2,15,36
